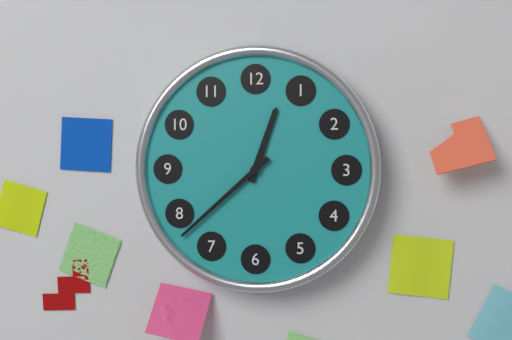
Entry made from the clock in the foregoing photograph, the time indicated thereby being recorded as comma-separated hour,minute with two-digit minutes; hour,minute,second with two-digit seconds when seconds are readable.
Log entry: 12,38
